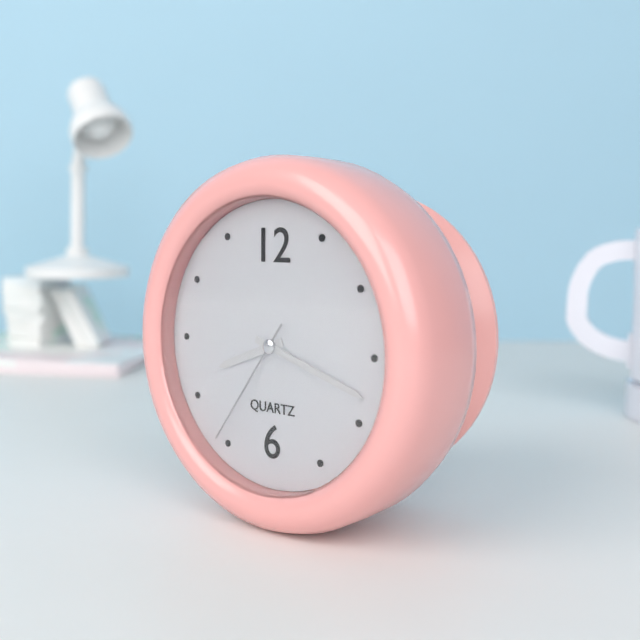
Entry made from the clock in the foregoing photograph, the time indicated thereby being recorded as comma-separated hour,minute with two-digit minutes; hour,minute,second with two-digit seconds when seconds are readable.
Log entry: 8,18,36
